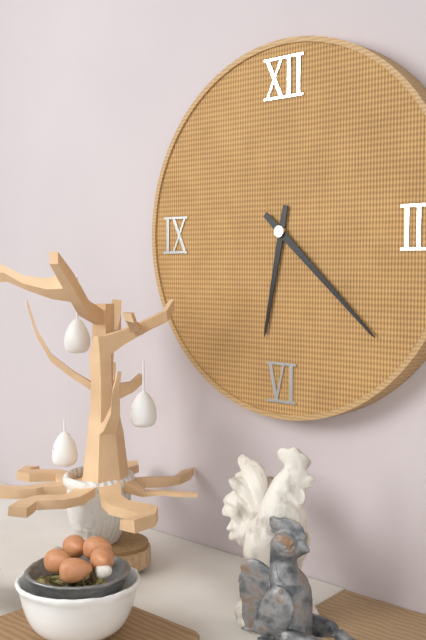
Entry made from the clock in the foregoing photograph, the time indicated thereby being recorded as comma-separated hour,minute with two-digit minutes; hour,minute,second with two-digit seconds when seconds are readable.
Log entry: 6,22
